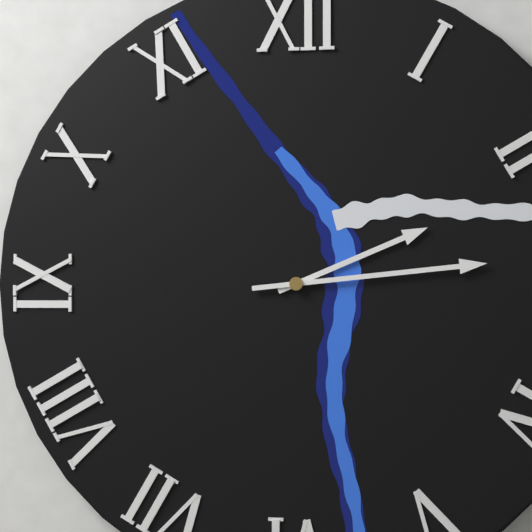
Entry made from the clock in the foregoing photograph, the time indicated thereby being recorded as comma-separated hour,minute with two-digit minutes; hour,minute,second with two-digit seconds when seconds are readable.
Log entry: 2,14
